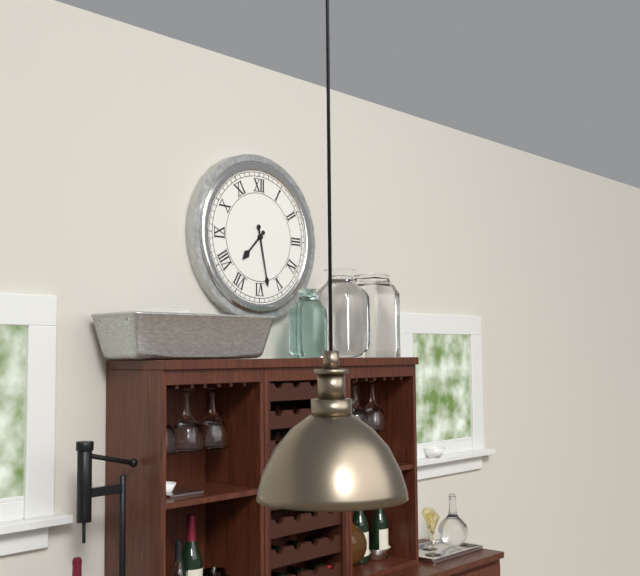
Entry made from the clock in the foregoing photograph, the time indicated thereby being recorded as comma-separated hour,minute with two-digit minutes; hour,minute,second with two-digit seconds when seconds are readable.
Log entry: 7,28
